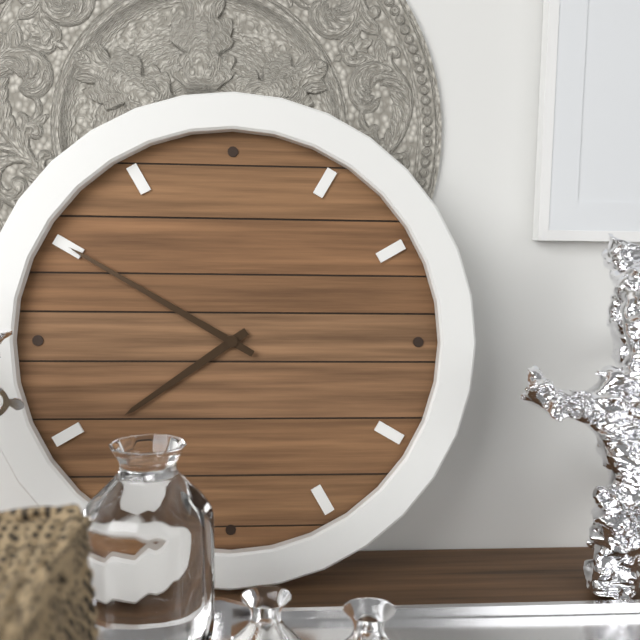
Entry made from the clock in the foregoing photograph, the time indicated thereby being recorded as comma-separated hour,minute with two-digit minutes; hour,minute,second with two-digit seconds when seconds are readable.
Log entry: 7,50
